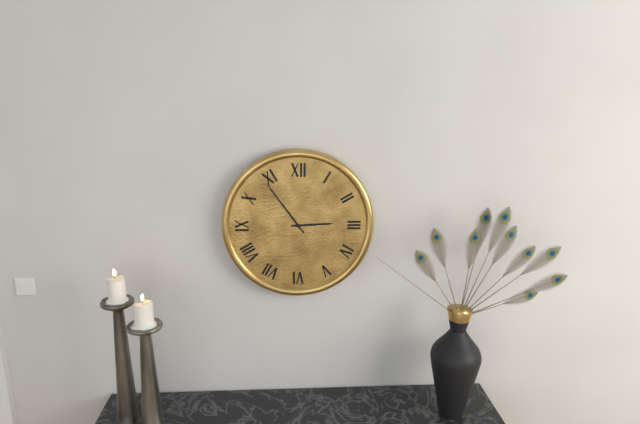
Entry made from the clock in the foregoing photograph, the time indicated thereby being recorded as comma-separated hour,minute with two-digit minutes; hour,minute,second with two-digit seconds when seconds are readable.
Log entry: 2,54
